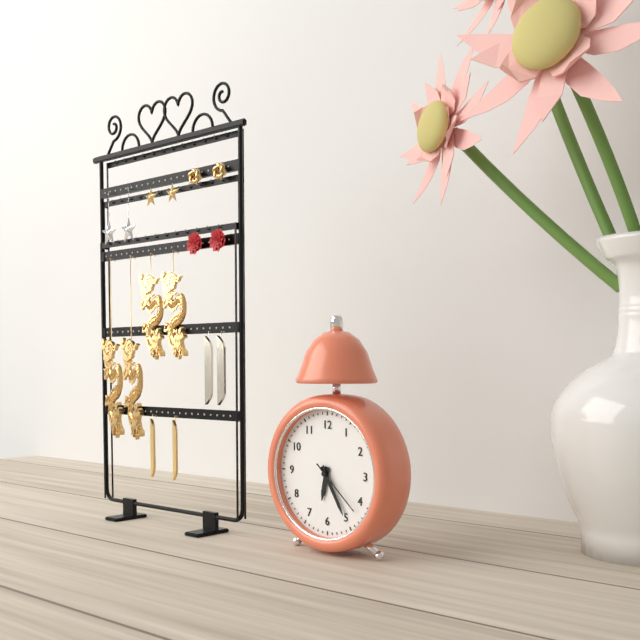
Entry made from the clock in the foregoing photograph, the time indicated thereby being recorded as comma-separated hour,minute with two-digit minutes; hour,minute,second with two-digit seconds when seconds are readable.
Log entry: 6,25,22
